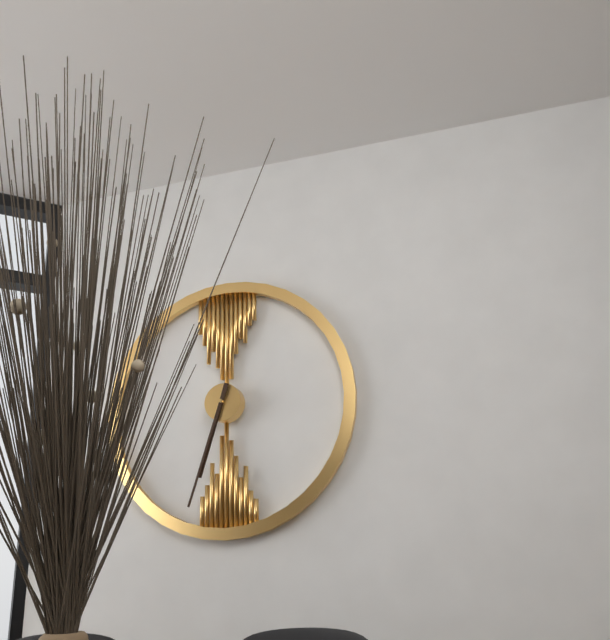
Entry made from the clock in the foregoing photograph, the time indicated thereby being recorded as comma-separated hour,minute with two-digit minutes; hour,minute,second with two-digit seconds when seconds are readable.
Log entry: 6,33
